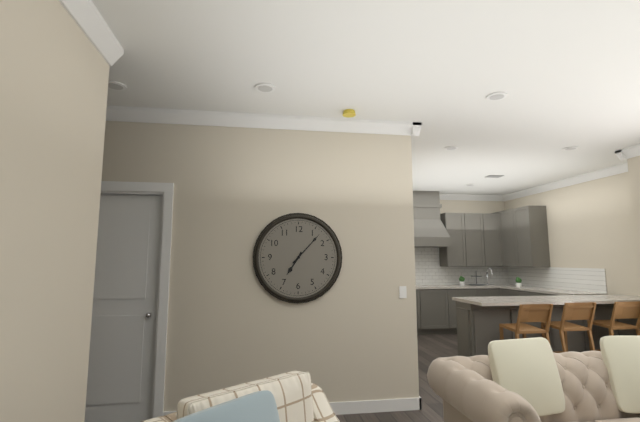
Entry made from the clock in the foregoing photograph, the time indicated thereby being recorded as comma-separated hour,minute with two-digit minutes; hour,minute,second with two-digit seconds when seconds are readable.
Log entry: 7,07
